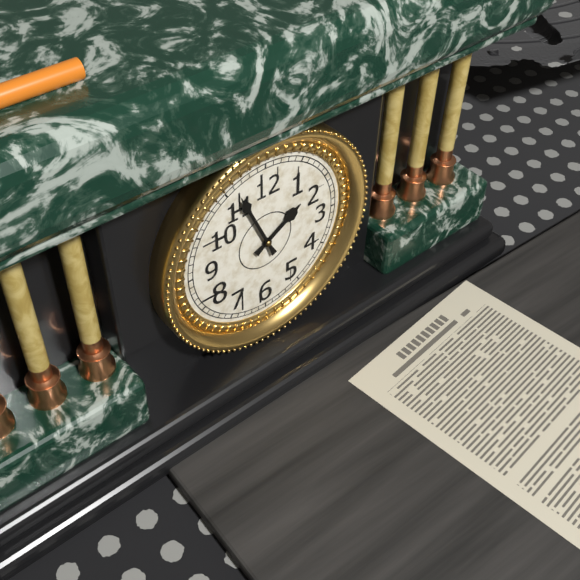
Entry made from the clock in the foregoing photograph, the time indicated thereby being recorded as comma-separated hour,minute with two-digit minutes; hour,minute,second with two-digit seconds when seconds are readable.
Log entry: 1,56
